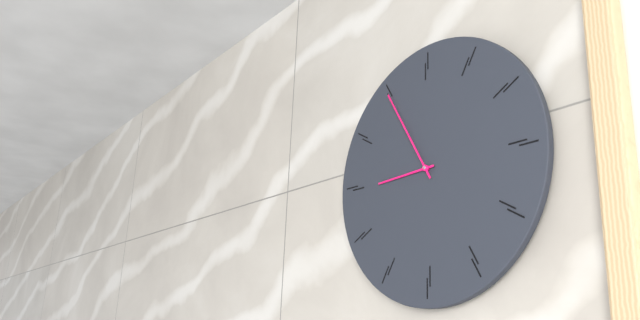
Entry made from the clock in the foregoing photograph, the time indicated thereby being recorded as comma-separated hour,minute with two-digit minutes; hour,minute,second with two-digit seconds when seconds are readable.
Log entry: 8,55
